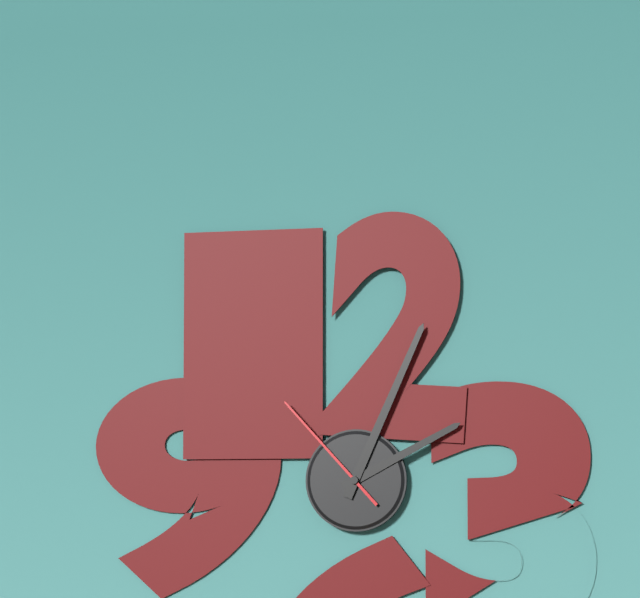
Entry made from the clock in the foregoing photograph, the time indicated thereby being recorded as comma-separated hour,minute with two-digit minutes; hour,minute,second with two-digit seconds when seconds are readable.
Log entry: 2,04,53
